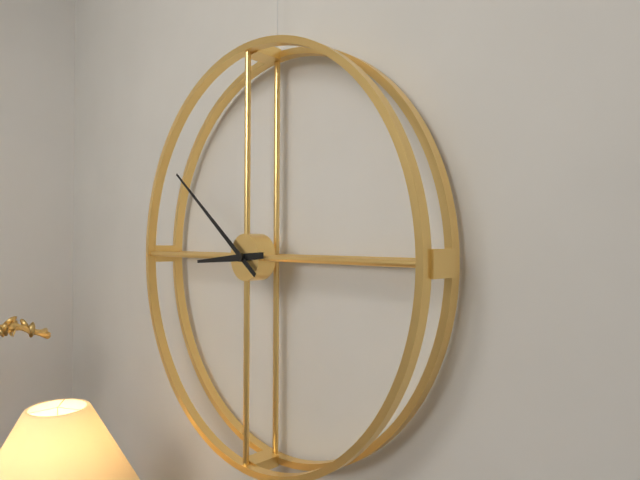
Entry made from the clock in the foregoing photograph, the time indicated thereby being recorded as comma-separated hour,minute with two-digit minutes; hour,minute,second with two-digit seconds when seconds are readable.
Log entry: 8,51
